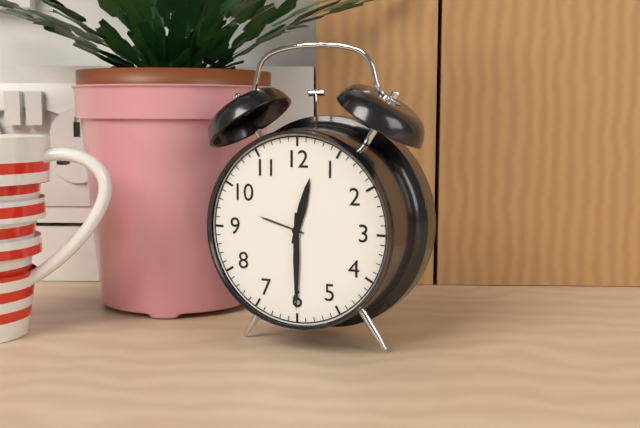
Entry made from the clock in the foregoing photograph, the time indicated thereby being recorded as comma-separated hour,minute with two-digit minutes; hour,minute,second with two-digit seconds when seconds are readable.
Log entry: 12,30
